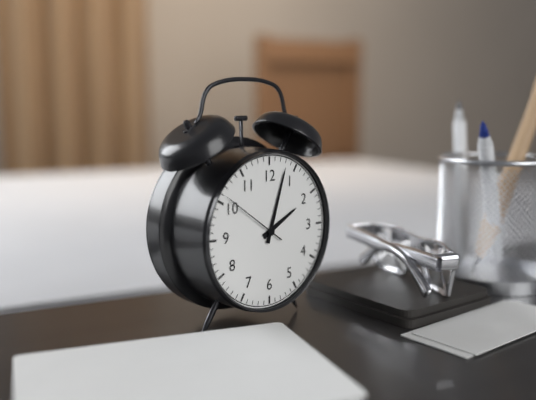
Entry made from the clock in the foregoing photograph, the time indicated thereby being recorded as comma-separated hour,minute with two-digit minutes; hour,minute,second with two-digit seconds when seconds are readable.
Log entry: 2,03,51
